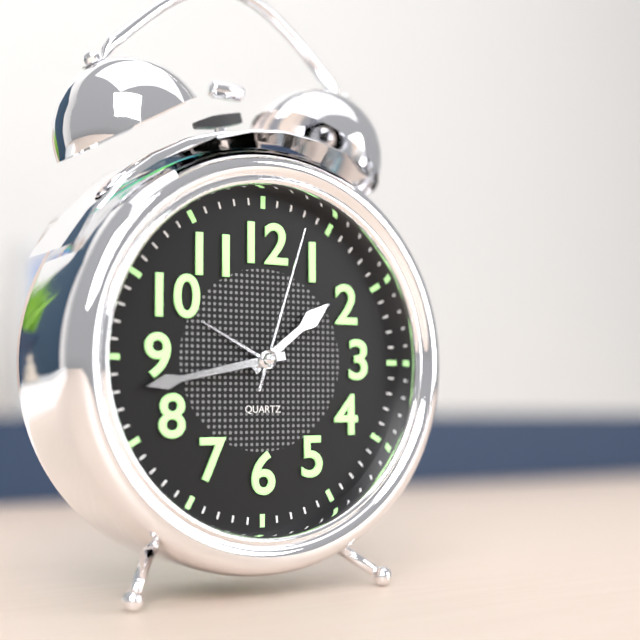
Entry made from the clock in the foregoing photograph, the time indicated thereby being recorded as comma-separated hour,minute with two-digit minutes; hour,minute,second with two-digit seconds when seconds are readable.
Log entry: 1,43,03
